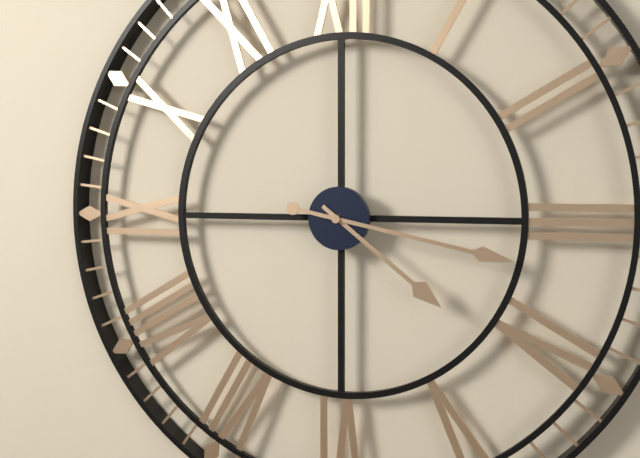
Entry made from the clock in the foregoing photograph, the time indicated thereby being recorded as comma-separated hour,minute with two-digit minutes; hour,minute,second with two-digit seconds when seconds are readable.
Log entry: 4,17
